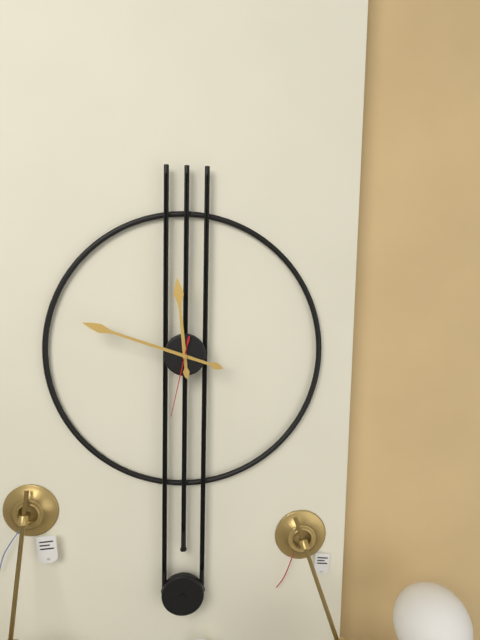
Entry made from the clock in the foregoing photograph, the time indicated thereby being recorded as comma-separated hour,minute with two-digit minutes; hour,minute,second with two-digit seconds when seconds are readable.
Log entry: 11,48,32
